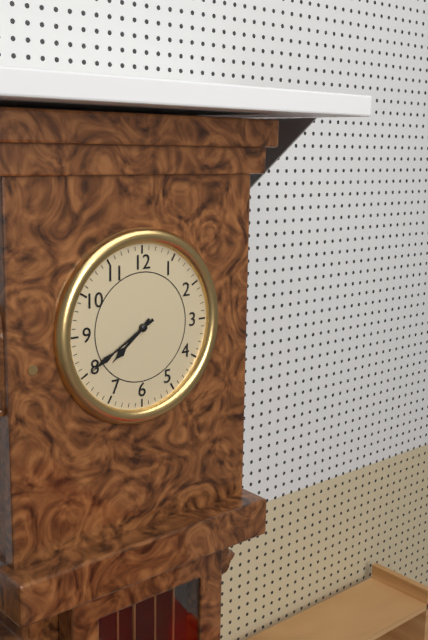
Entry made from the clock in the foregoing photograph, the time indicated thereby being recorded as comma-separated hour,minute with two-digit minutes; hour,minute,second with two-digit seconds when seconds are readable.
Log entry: 7,40
